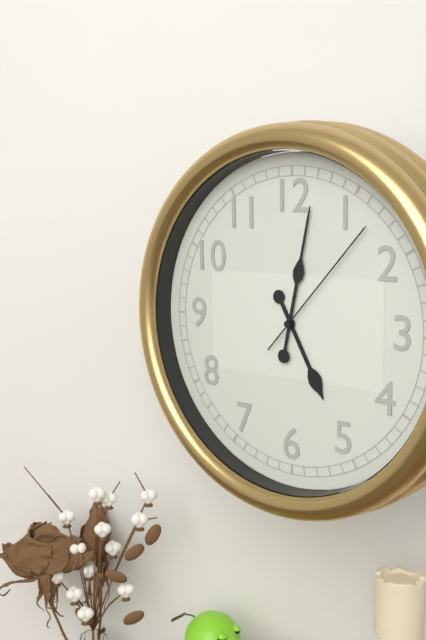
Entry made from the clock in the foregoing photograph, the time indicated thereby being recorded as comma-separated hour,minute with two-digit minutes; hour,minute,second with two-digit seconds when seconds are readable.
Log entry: 5,02,07
